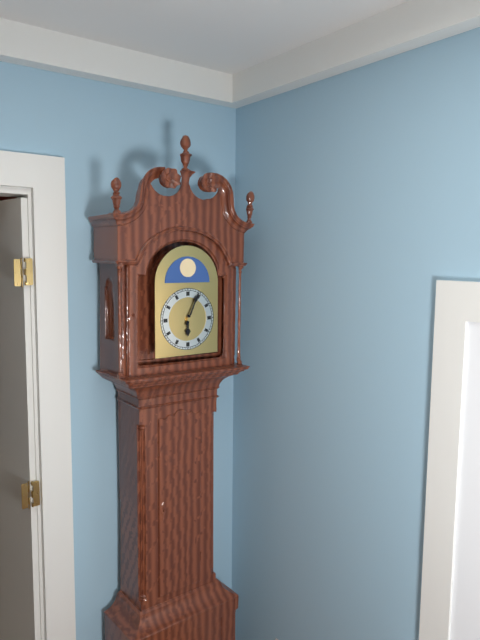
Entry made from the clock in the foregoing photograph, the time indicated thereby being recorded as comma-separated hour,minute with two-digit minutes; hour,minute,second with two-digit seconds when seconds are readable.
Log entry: 6,04
